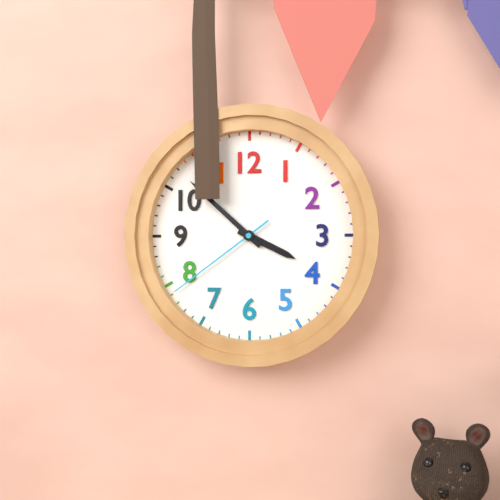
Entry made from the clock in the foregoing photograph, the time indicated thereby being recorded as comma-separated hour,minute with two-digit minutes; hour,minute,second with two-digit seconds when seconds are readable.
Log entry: 3,52,39
